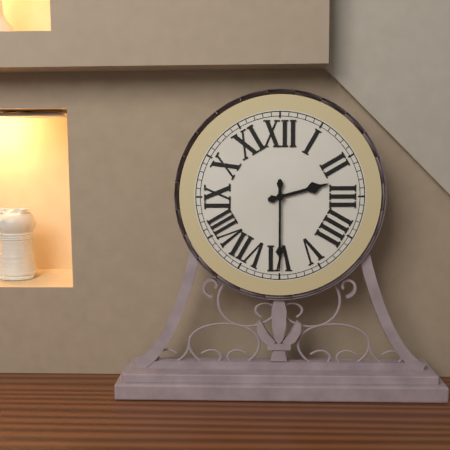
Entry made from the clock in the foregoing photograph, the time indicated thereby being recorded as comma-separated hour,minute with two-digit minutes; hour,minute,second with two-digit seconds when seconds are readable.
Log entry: 2,30
